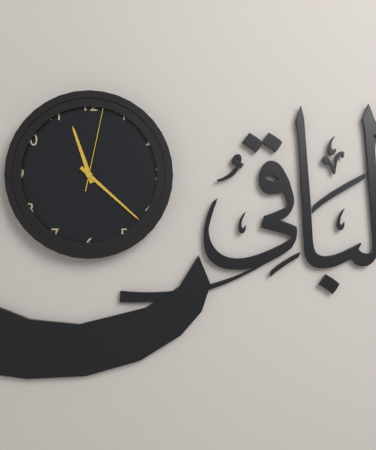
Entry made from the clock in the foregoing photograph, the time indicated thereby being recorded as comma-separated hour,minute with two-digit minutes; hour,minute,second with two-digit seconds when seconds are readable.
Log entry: 11,22,02
